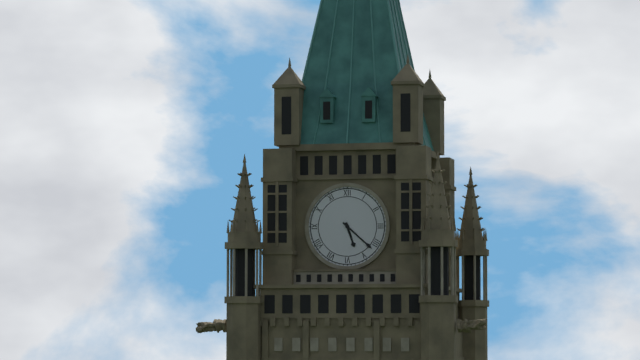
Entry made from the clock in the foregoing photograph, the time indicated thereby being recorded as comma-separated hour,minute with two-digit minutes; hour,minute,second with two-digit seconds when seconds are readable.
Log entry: 5,22
